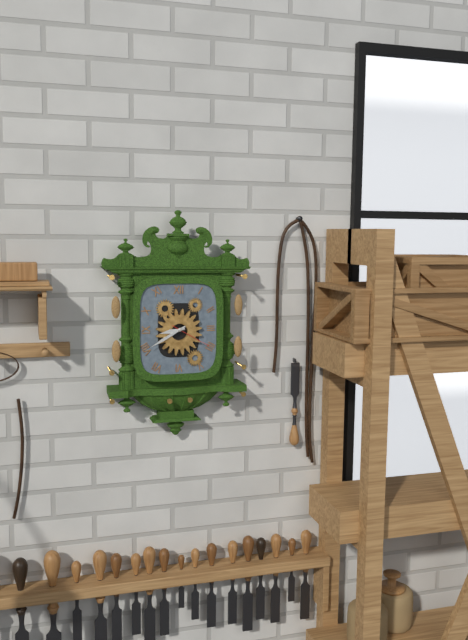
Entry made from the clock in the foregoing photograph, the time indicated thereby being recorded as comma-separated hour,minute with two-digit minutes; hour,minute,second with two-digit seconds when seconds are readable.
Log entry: 8,40
